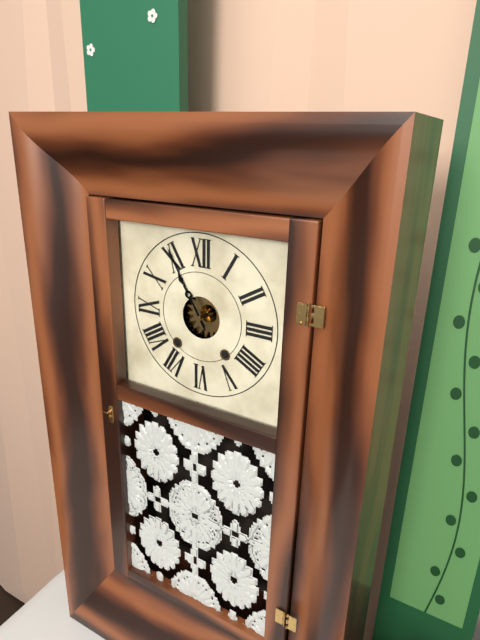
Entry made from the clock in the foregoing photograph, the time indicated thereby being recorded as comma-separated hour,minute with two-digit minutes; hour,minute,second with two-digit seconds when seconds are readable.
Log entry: 10,55
